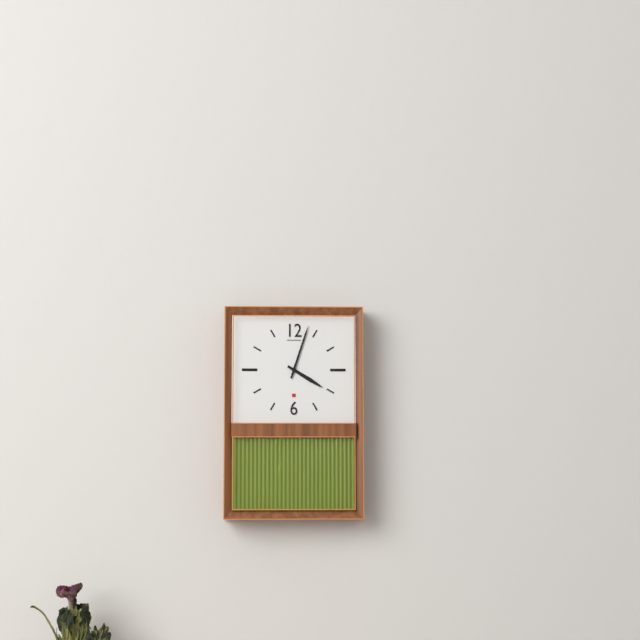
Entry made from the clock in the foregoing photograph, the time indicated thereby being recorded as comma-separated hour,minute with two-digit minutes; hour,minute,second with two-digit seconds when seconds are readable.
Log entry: 4,03
